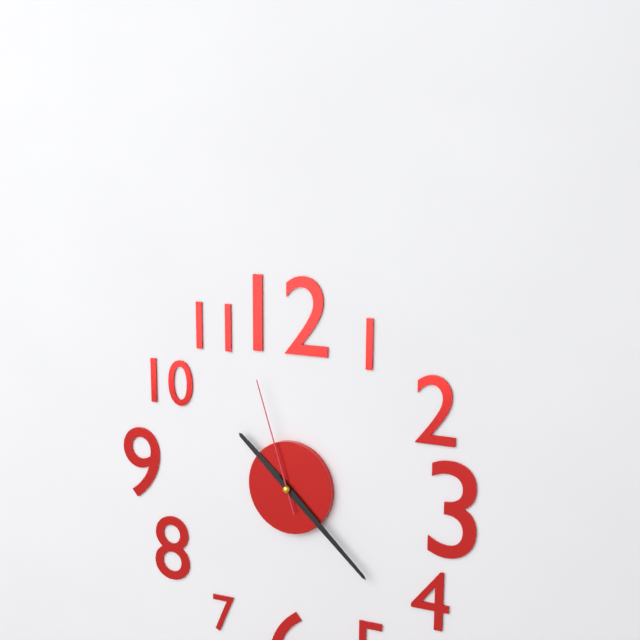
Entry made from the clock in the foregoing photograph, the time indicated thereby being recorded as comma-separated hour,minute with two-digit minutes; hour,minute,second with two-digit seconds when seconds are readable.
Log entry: 10,22,57
